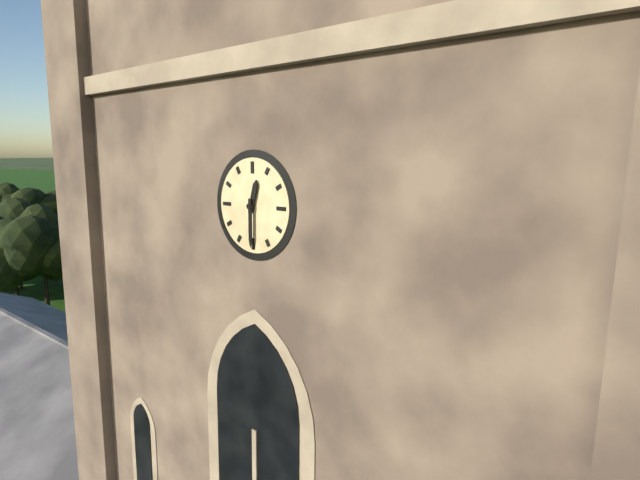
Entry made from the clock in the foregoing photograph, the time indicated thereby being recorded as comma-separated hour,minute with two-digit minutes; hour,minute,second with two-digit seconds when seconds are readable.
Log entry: 12,30
